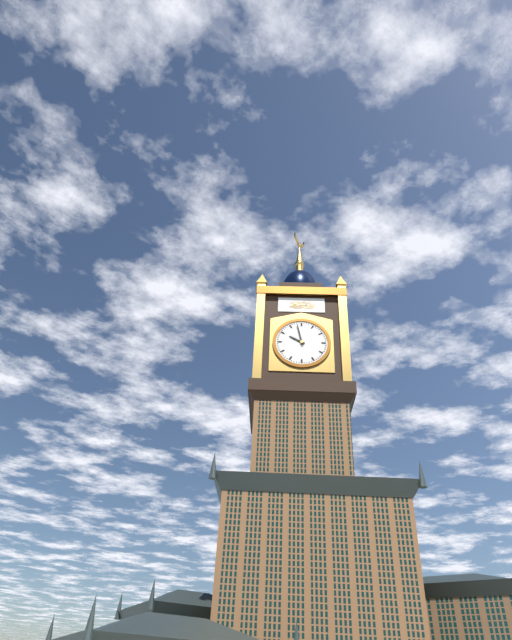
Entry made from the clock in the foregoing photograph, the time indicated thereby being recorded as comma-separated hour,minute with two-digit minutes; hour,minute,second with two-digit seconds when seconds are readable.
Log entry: 9,58
